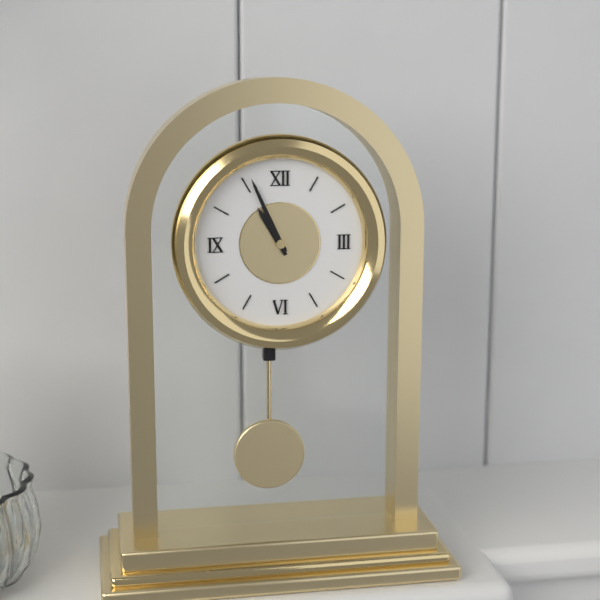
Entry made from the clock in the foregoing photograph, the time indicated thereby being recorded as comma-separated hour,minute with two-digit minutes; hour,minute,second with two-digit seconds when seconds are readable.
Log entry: 10,56
